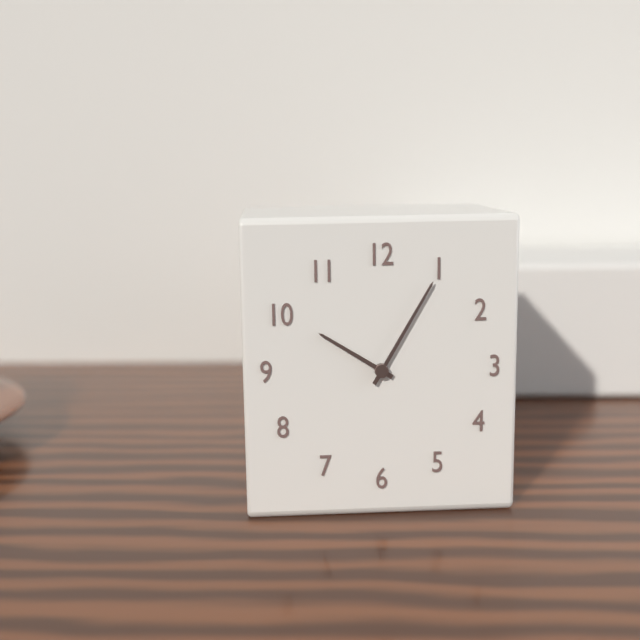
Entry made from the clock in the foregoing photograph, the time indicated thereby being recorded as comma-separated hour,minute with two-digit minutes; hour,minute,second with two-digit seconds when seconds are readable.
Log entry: 10,05
